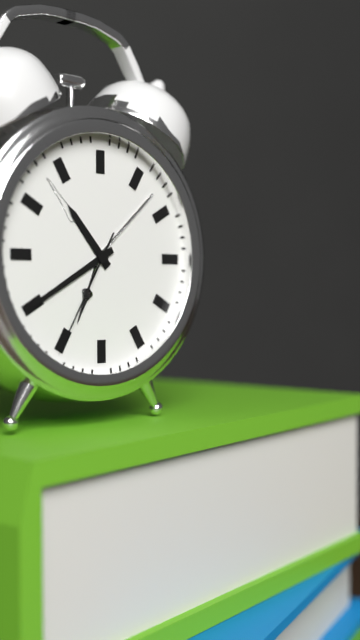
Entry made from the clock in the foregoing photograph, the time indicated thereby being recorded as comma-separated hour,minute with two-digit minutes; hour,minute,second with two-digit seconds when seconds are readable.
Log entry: 10,40,35
